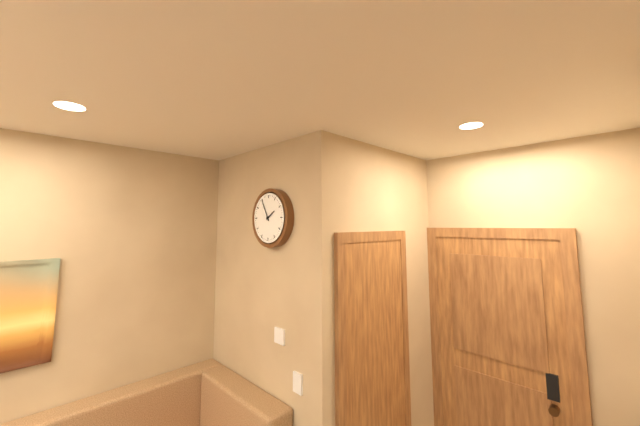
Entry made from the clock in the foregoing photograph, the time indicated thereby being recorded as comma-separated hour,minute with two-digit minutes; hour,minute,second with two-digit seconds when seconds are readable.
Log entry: 1,55
